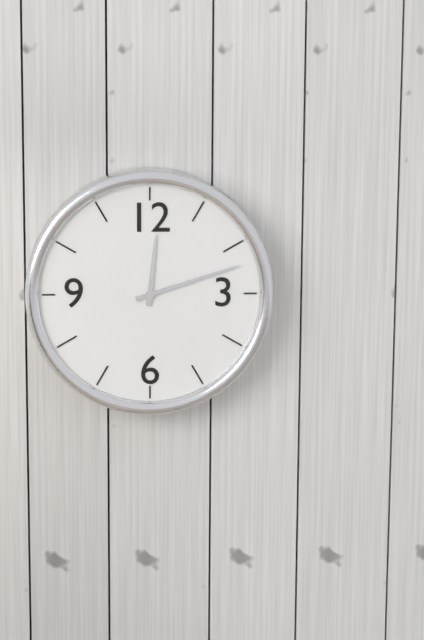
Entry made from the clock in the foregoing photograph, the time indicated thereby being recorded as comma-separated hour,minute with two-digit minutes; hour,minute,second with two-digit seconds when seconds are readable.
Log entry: 12,12
